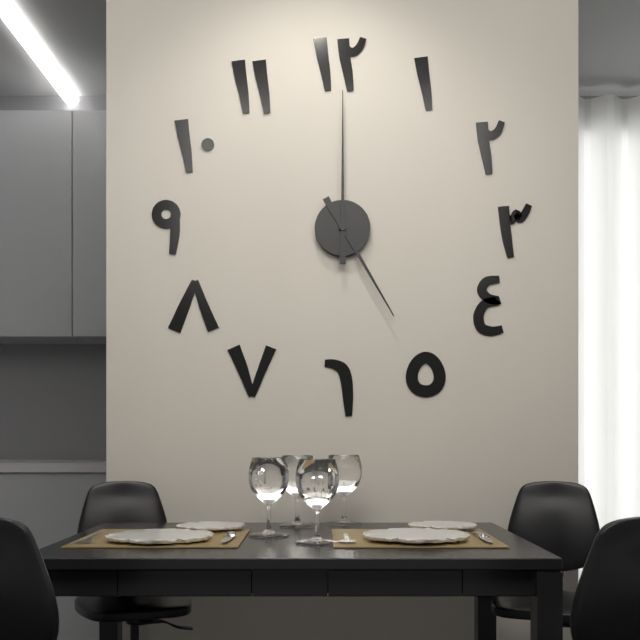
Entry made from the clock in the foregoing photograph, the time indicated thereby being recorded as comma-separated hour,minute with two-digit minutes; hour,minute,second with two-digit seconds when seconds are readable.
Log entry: 5,00
